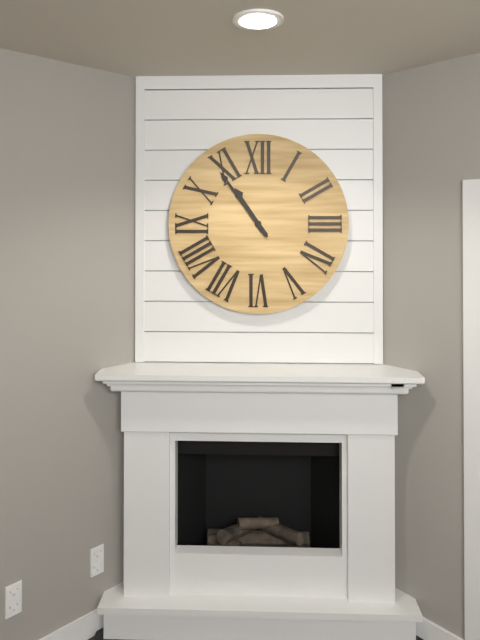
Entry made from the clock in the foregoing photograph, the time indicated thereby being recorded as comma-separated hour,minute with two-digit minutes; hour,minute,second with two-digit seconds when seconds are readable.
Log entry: 10,54
